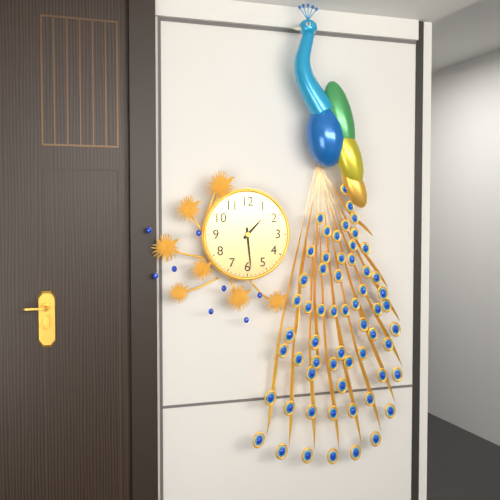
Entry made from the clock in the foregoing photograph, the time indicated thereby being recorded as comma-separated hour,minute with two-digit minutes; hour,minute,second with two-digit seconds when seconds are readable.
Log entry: 1,29
